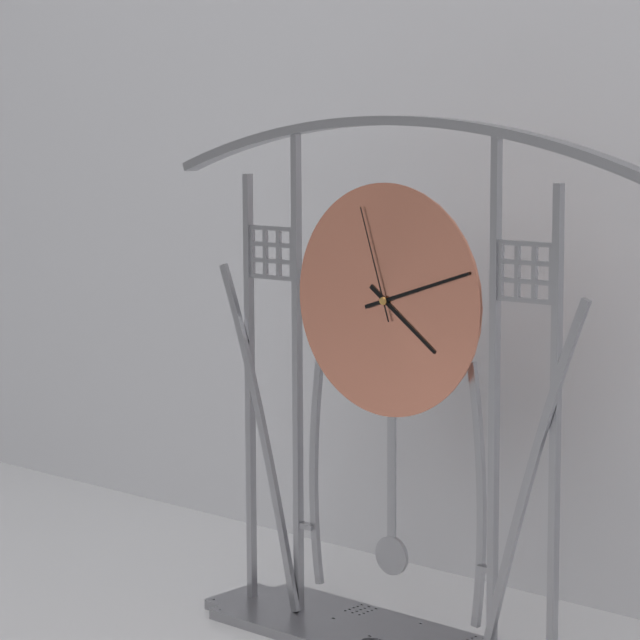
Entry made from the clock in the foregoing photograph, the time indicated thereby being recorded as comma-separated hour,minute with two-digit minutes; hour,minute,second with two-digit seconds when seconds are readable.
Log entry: 4,12,57
